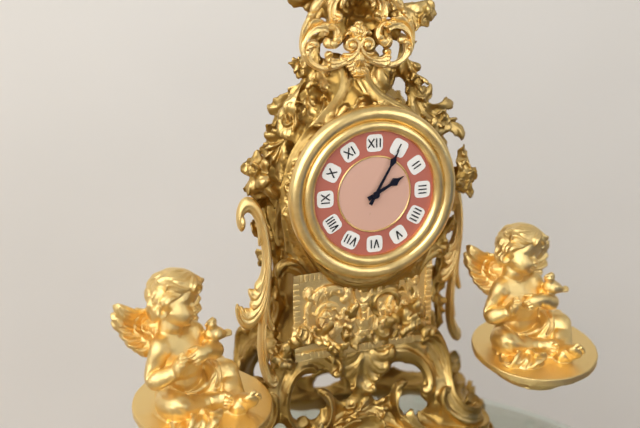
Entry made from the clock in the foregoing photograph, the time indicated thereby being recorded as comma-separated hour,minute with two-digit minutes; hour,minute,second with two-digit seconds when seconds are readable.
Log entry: 2,05
